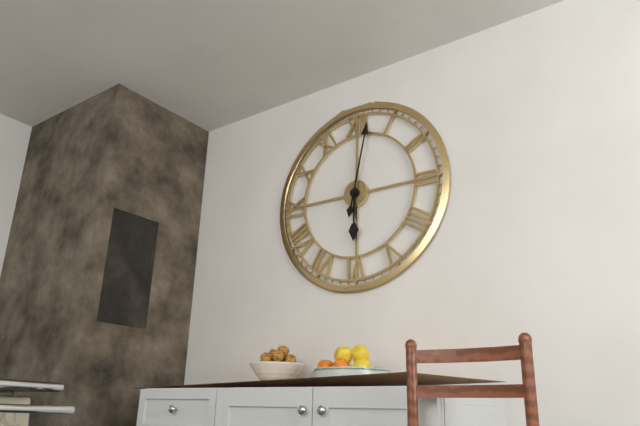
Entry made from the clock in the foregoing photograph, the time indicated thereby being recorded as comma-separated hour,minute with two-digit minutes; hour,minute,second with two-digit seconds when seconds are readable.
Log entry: 6,02
